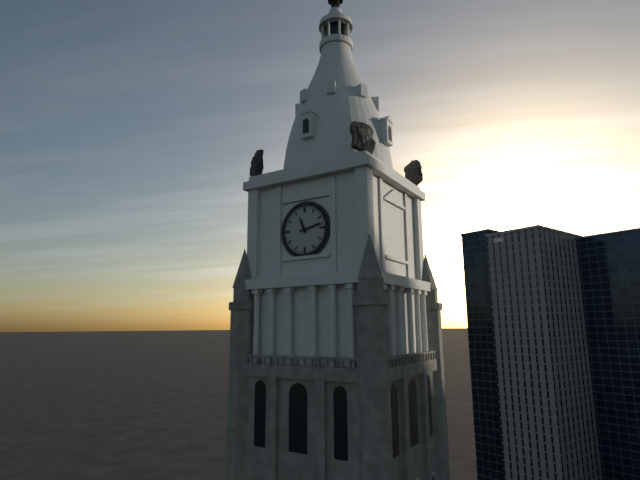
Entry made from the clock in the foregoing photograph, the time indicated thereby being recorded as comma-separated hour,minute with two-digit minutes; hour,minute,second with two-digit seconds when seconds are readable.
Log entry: 11,13
